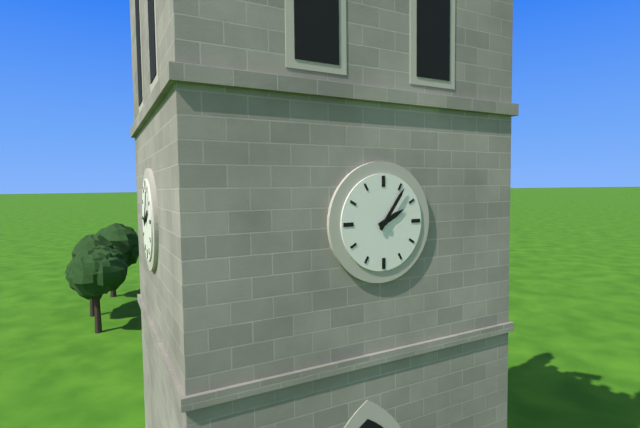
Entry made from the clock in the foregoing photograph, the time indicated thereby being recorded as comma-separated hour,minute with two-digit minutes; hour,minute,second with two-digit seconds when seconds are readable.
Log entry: 2,06
